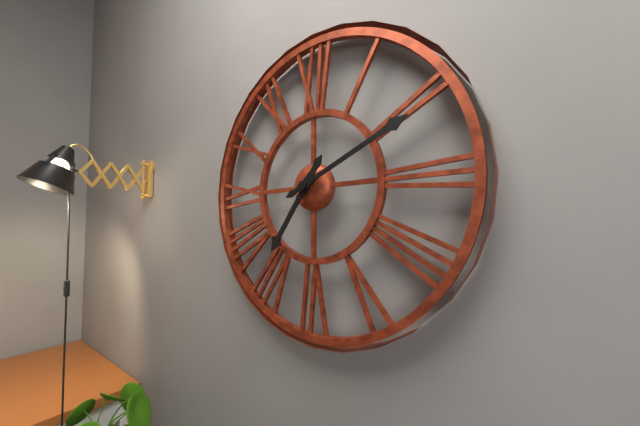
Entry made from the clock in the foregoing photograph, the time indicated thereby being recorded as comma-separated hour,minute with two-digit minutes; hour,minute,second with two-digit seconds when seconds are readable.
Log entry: 7,11
